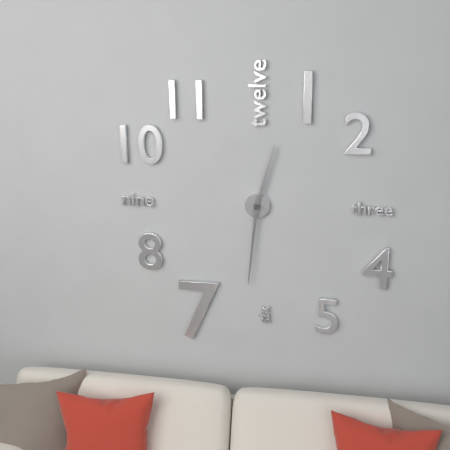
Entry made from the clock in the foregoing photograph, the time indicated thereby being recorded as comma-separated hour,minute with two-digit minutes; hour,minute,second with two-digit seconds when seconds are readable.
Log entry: 12,31
